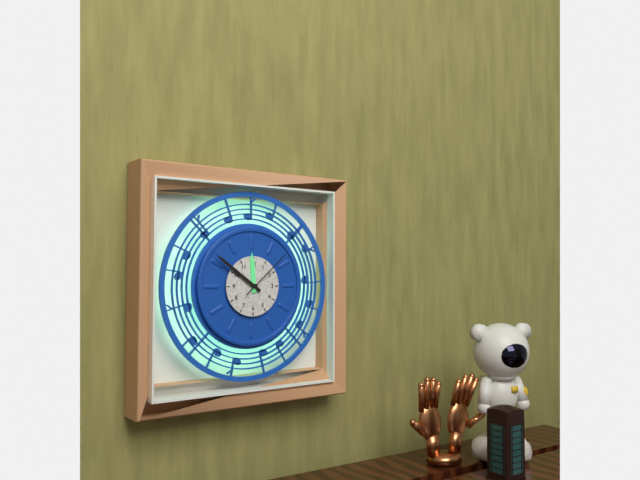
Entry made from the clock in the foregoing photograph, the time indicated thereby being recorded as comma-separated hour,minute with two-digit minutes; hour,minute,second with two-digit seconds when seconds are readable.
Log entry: 11,51,08
